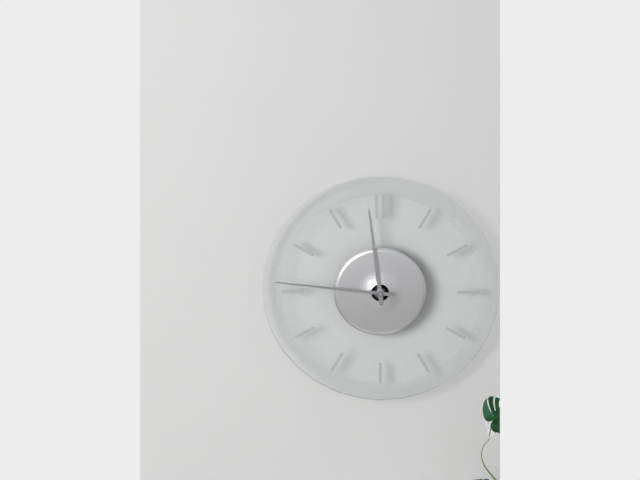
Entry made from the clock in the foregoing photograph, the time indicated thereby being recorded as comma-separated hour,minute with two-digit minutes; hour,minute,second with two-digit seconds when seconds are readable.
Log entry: 11,46
